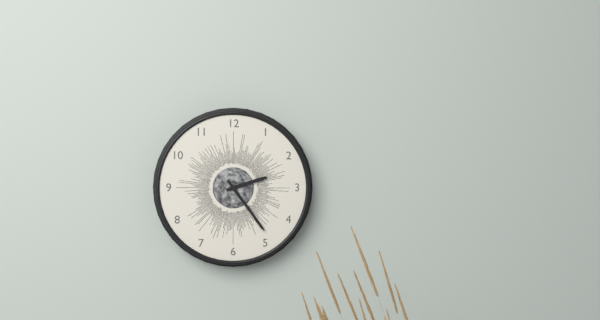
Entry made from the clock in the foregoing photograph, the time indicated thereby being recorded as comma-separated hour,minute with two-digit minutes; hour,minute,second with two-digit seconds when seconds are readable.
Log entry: 2,24
